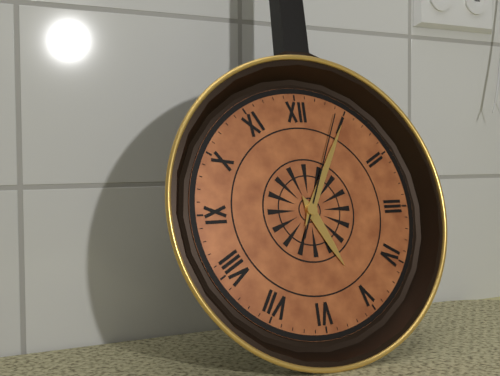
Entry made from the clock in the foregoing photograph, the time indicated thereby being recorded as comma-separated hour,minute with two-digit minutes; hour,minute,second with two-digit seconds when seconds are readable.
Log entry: 5,05,04
